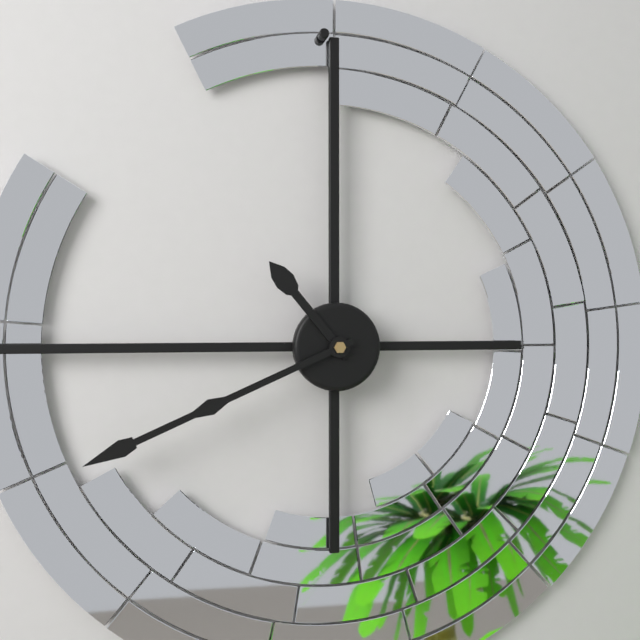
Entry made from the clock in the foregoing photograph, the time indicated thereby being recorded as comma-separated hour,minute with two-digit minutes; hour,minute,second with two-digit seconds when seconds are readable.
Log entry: 10,41
